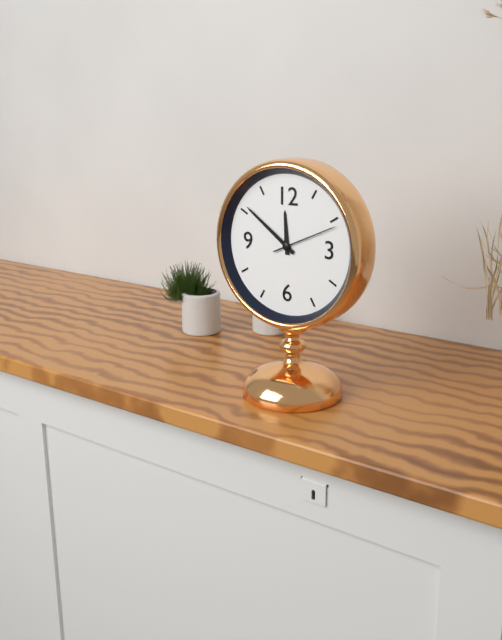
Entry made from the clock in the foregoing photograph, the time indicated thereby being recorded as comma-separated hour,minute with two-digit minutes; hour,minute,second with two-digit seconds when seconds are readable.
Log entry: 11,51,11
